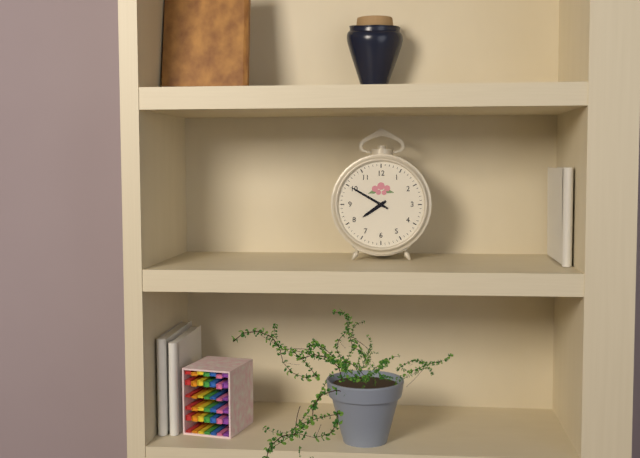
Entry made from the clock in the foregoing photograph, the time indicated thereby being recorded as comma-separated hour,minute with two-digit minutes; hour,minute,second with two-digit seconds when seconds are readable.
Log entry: 7,50
